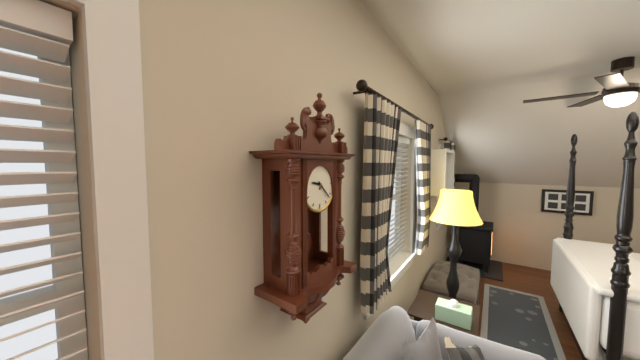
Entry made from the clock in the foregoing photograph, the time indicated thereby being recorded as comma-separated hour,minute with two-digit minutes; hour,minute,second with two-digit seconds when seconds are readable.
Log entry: 9,22
